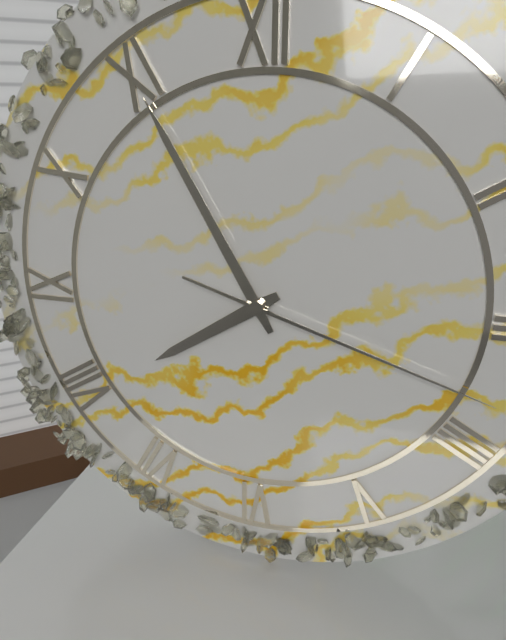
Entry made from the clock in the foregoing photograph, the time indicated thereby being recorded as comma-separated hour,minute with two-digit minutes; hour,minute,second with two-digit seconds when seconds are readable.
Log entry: 7,55,18
